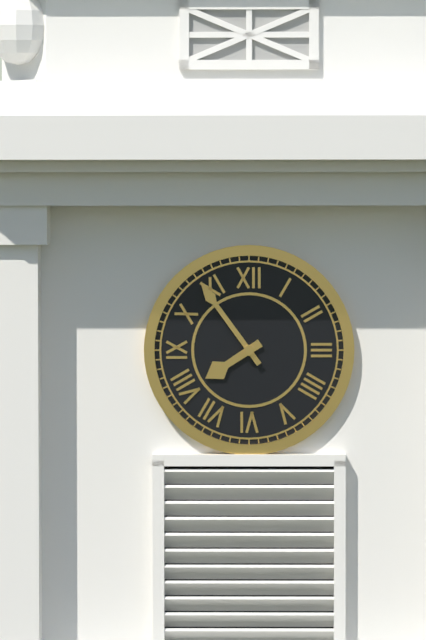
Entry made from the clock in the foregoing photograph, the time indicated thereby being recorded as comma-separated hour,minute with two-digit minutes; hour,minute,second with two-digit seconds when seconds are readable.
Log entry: 7,54
